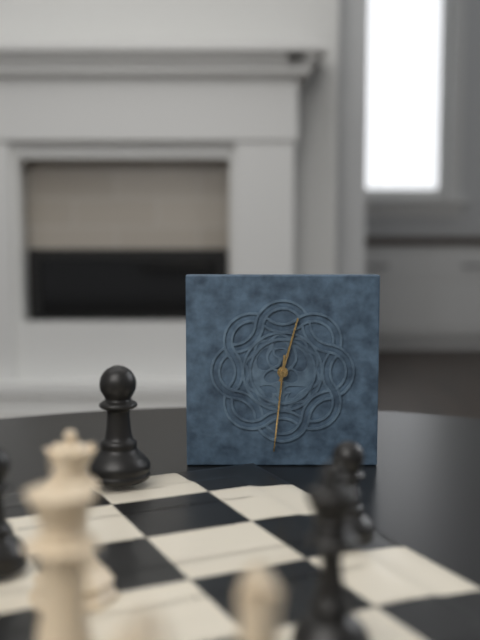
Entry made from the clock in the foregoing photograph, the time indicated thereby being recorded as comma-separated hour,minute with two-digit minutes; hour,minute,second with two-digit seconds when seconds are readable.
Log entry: 12,31
